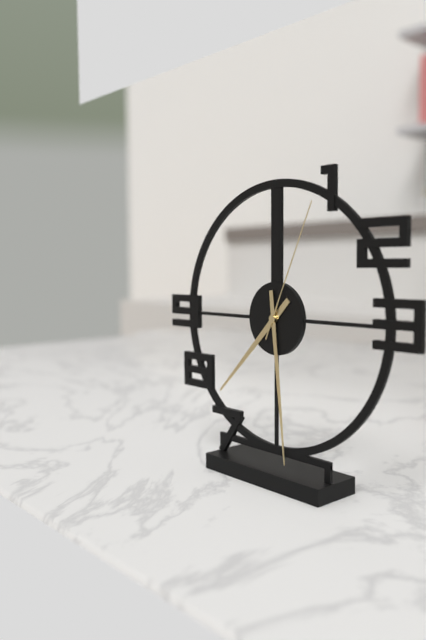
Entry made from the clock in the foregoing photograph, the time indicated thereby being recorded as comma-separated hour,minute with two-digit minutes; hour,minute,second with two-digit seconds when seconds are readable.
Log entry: 7,29,04
